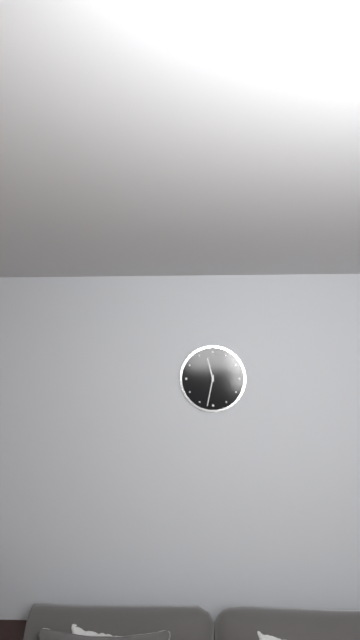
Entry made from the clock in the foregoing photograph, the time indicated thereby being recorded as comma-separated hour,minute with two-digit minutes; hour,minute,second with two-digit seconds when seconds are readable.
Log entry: 11,32
